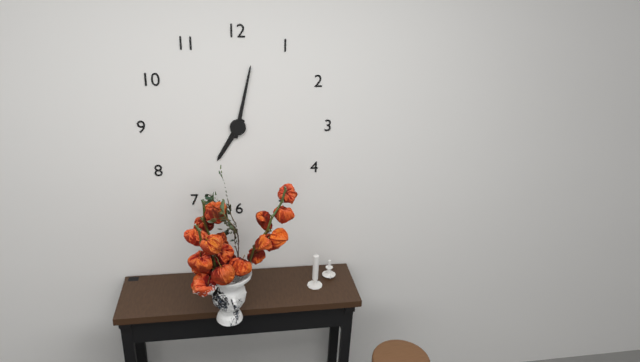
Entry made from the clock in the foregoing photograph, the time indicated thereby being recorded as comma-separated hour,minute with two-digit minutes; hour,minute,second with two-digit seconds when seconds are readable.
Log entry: 7,02
